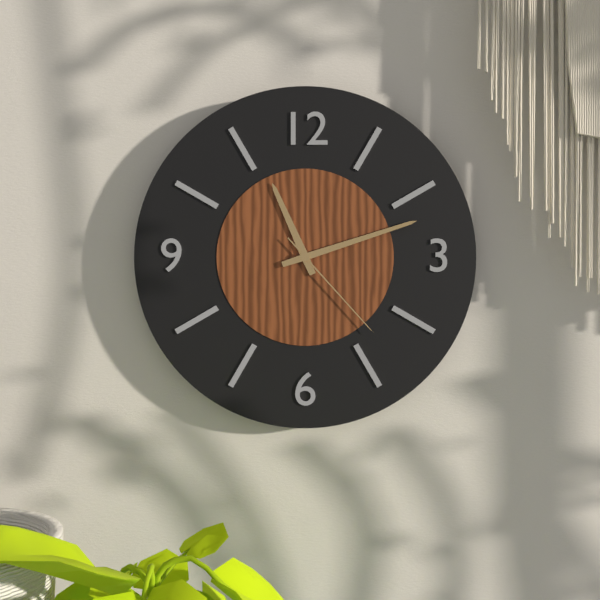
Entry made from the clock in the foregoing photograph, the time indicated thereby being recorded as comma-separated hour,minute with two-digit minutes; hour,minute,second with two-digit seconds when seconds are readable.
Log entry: 11,12,23
